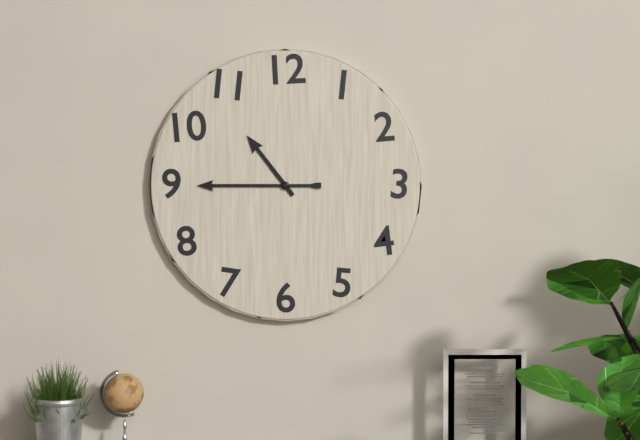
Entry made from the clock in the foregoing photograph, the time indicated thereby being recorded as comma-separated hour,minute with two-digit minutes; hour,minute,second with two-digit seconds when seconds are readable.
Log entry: 10,45
